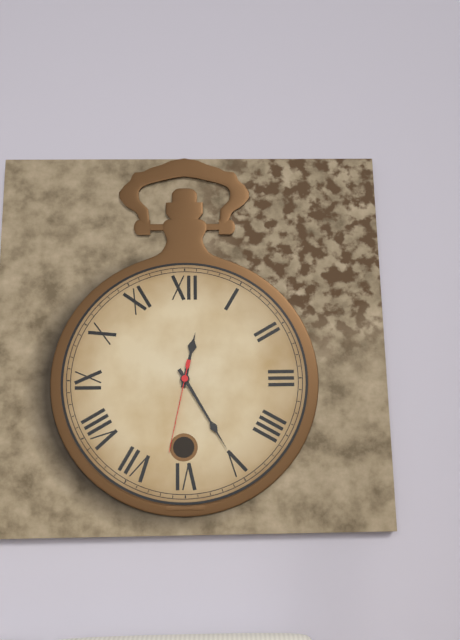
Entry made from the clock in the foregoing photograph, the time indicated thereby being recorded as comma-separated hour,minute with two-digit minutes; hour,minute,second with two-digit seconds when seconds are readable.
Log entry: 12,25,32
